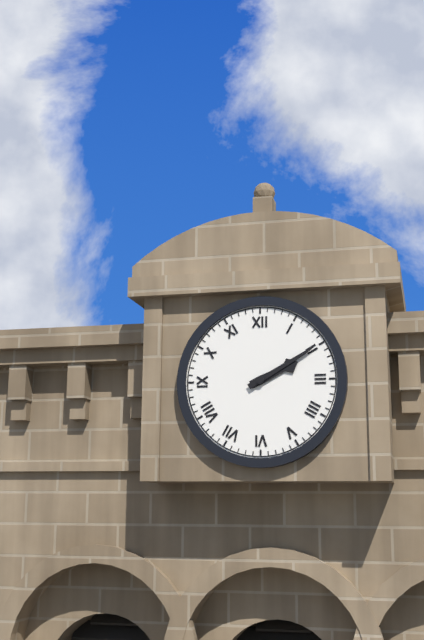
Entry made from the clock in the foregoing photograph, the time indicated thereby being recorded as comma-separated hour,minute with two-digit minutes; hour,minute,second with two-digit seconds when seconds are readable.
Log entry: 2,10
